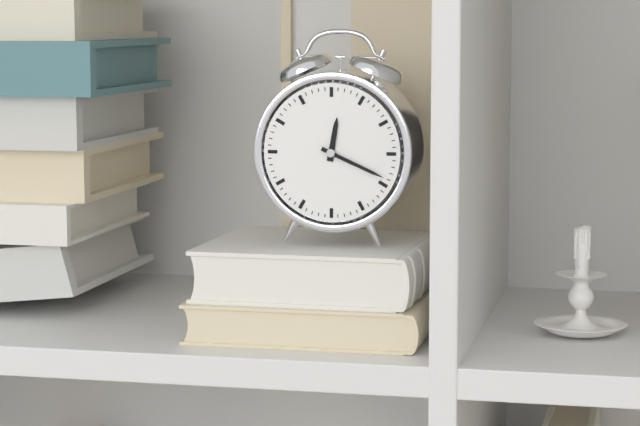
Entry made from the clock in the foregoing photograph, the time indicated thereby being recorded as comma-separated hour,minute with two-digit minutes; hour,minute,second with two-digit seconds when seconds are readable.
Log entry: 12,19
